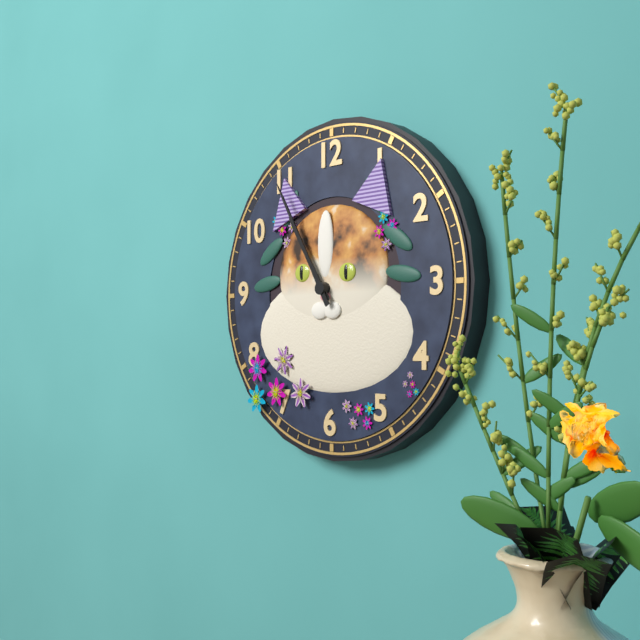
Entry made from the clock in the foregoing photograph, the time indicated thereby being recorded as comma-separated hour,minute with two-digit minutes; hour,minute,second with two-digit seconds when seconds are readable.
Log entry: 10,55
